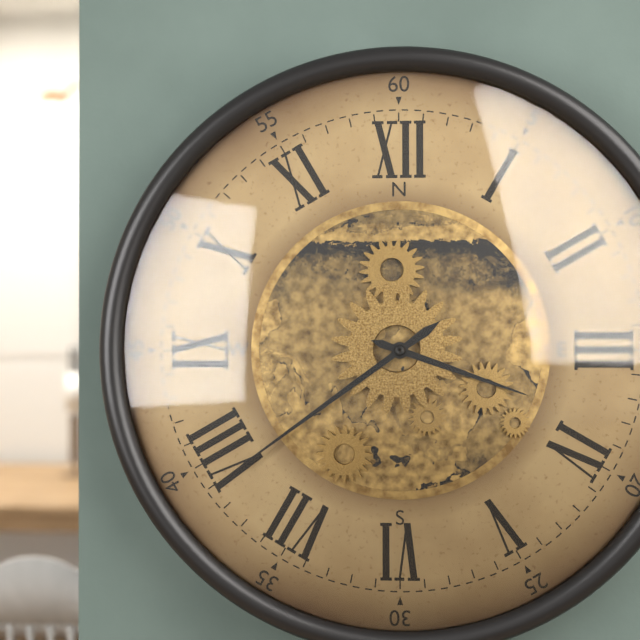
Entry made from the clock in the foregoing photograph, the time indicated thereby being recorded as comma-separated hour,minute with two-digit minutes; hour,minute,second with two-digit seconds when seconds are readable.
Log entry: 3,39
